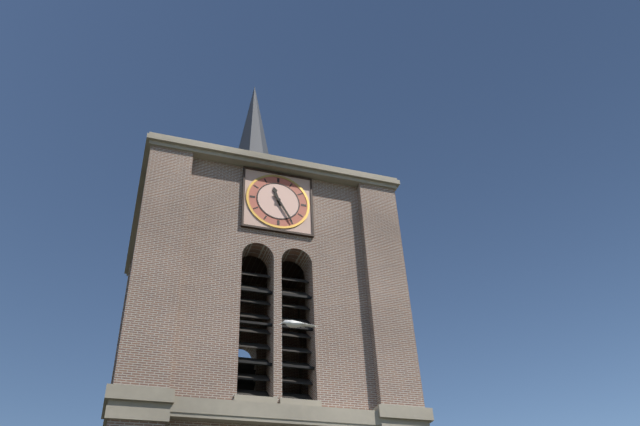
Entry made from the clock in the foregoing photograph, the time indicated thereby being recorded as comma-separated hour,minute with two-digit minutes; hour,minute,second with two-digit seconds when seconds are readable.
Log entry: 11,25
